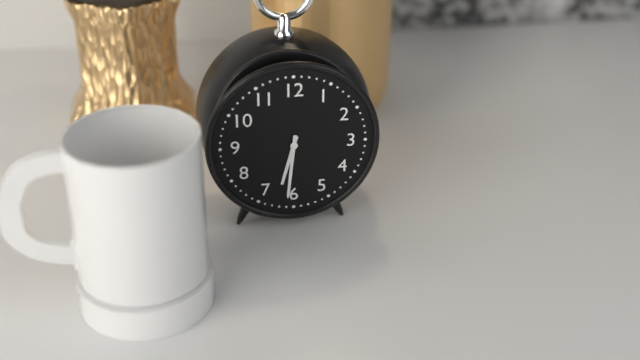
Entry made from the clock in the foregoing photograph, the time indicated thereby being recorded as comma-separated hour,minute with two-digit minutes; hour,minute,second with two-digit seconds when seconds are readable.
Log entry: 6,31
